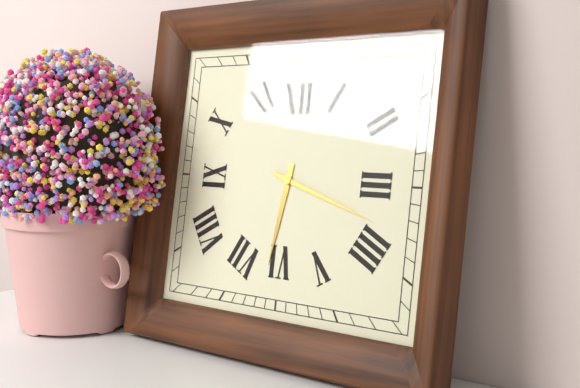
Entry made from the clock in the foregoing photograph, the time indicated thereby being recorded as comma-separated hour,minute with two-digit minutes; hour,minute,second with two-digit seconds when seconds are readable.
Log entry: 6,18
